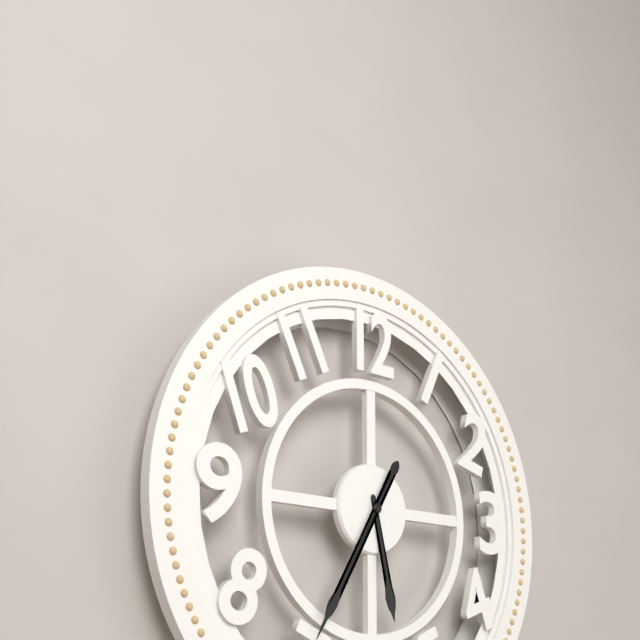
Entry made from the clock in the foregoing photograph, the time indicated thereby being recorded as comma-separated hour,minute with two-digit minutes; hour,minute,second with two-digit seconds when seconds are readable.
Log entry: 5,35
